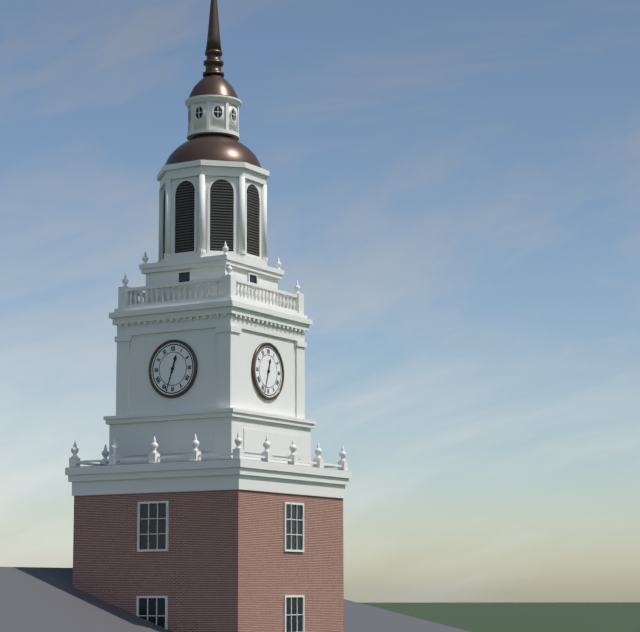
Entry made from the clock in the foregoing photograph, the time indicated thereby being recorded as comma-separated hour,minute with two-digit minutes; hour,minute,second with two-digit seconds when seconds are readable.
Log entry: 12,33
